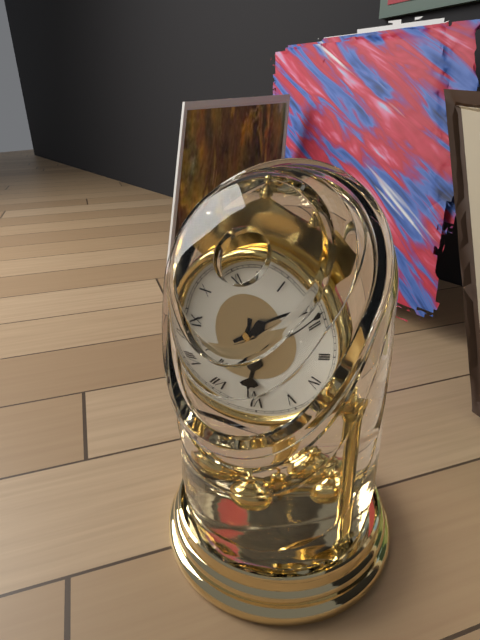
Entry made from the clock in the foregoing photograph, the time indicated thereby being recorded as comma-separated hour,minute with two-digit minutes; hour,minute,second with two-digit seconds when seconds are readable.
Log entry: 6,09
